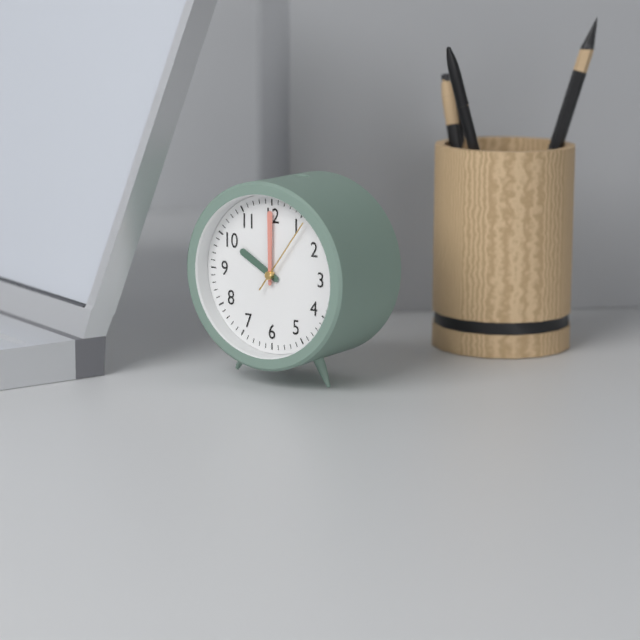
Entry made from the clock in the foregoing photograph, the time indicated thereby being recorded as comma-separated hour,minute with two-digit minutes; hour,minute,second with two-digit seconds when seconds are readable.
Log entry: 10,00,06
